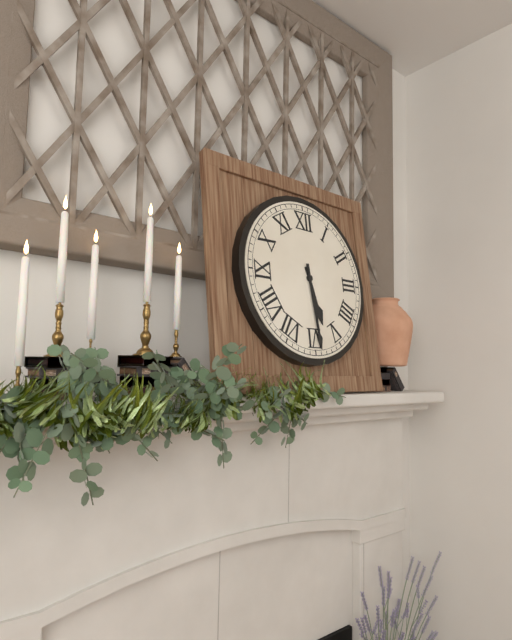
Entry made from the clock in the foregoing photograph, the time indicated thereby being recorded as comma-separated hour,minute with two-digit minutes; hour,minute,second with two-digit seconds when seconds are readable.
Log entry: 5,29
